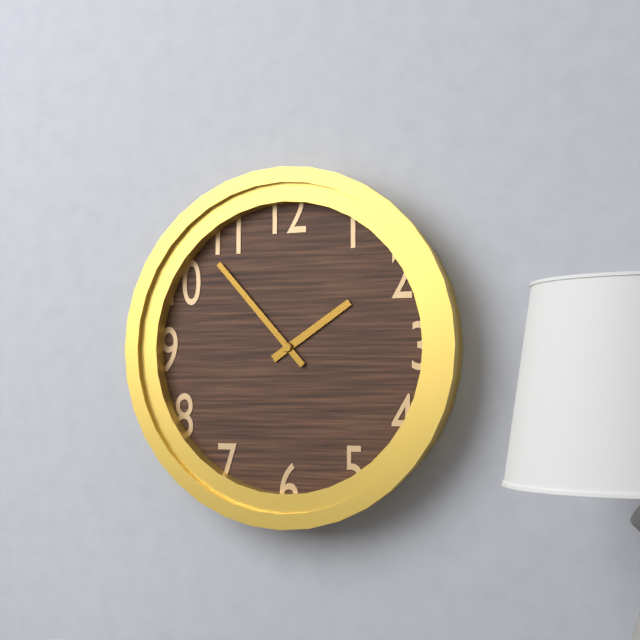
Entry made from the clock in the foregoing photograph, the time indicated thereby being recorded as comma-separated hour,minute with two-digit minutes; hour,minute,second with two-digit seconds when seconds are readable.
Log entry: 1,53
